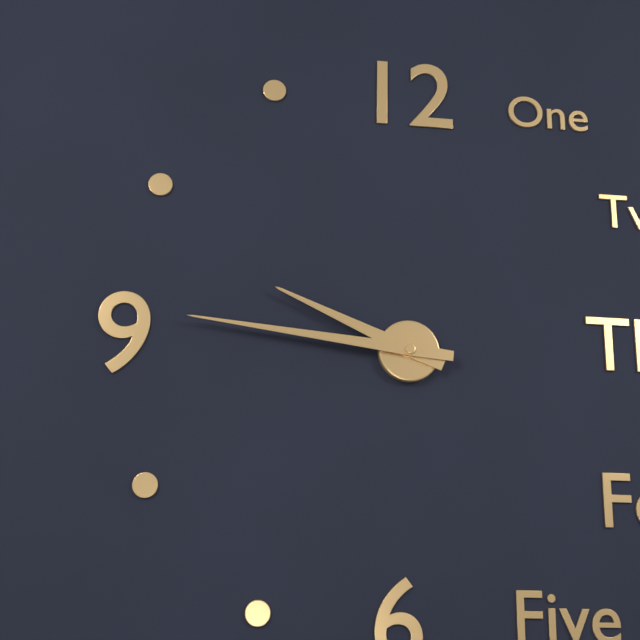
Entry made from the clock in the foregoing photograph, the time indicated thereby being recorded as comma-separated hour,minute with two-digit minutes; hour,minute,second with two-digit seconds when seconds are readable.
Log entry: 9,46
